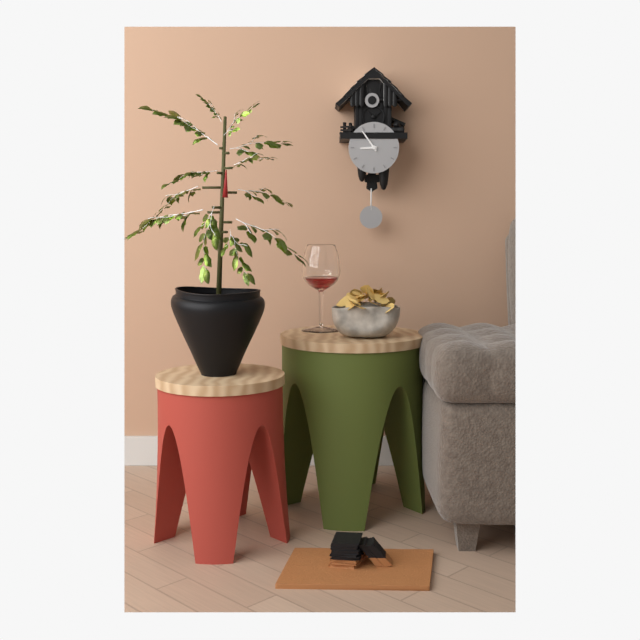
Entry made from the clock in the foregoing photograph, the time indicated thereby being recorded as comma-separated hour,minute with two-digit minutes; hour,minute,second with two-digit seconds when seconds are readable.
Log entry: 8,54
